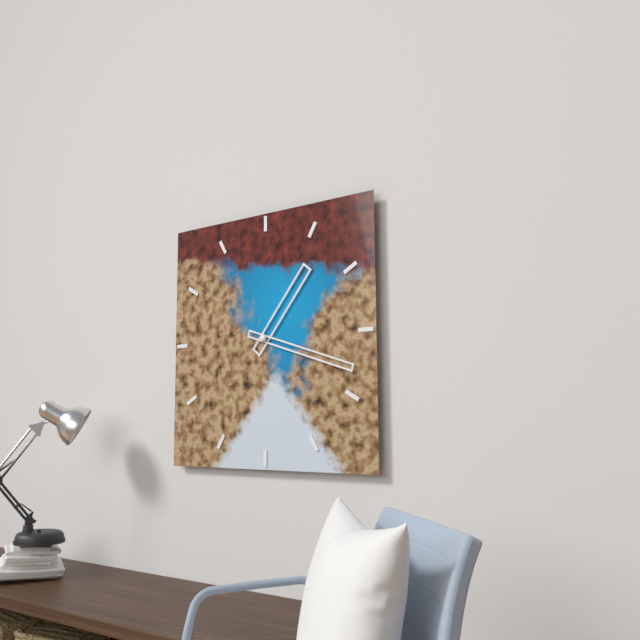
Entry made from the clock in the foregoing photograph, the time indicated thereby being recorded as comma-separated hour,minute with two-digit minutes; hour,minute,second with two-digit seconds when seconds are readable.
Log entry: 1,18
